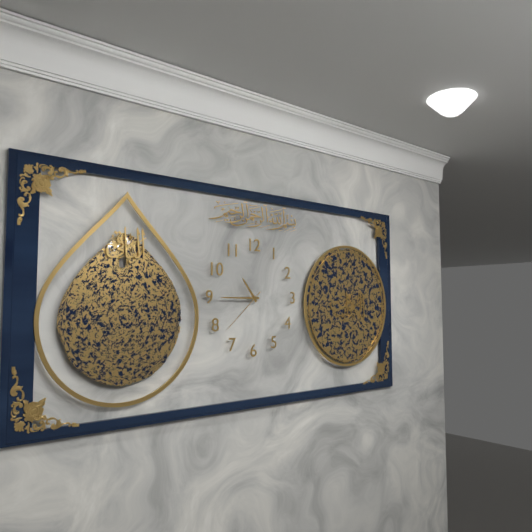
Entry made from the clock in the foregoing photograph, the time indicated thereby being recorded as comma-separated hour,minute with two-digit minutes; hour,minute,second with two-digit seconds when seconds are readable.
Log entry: 10,45,38
